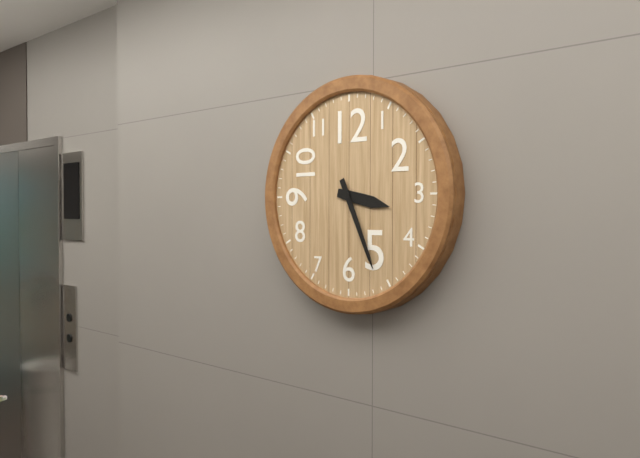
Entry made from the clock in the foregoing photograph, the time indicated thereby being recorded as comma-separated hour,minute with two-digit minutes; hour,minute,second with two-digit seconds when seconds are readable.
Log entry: 3,26
